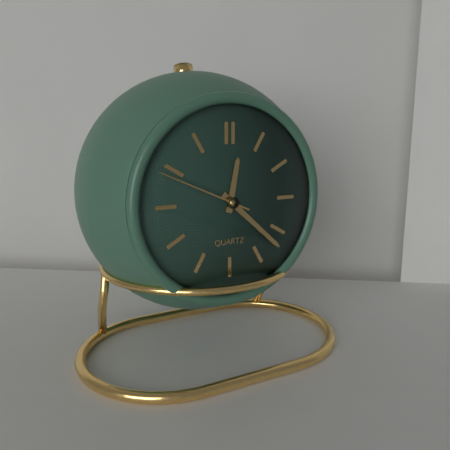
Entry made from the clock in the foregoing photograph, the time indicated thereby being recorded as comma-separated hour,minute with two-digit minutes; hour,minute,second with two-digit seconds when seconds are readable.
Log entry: 12,22,49
